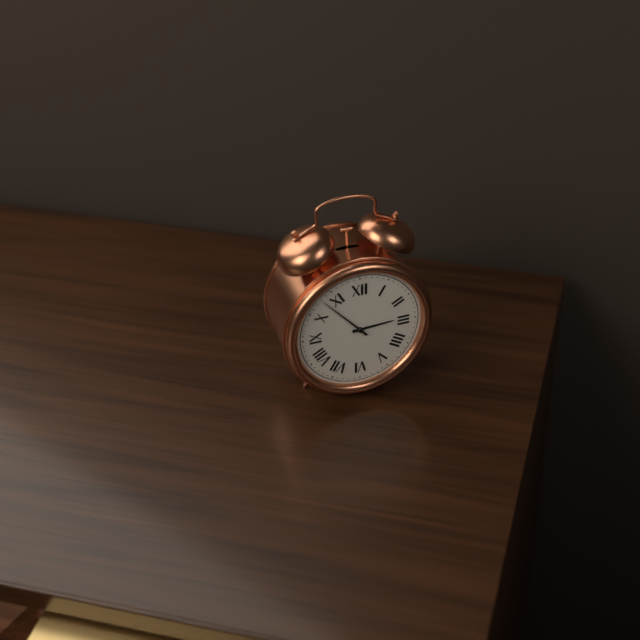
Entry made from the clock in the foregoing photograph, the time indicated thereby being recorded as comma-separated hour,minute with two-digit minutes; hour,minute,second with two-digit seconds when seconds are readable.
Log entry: 2,53
